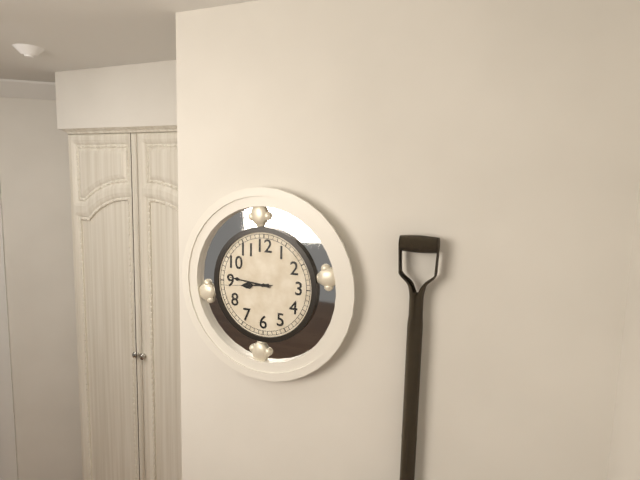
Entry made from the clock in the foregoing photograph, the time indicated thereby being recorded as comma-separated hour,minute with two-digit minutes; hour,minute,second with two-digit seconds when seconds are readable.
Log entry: 8,46,44
